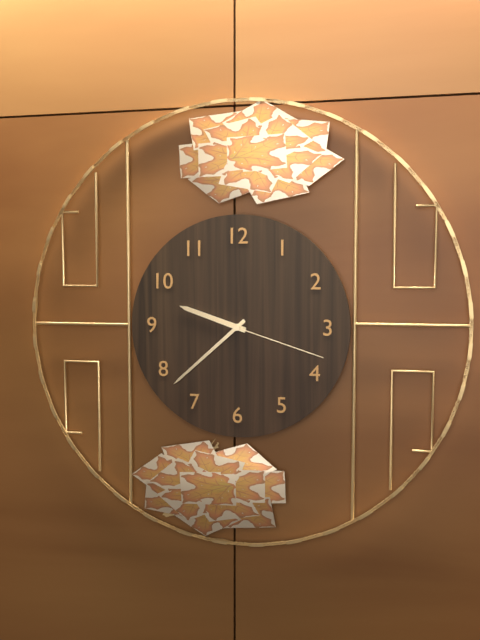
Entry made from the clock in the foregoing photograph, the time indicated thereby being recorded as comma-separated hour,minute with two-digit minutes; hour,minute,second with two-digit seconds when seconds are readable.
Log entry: 9,38,18
